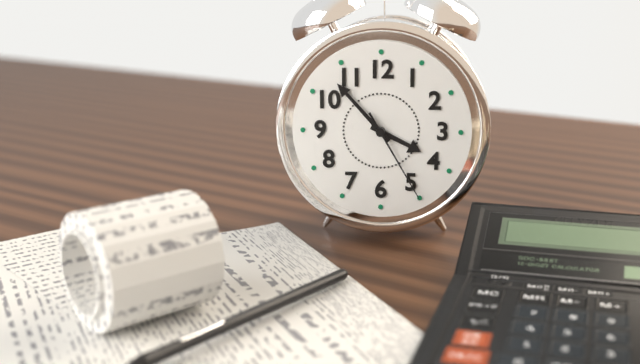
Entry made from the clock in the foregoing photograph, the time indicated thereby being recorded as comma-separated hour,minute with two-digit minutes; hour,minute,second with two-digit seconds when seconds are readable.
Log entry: 3,53,25
